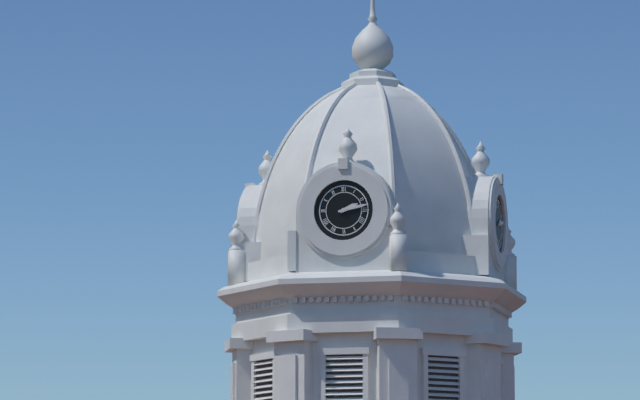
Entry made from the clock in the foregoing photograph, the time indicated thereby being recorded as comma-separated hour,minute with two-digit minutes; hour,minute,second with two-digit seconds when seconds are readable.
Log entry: 2,13
